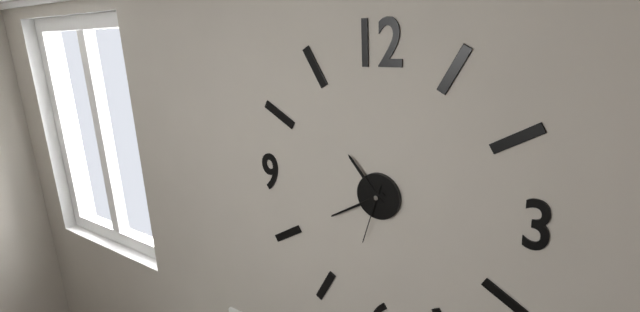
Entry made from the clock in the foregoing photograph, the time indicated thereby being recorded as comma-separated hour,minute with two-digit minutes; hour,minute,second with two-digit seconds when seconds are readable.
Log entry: 10,40,33
